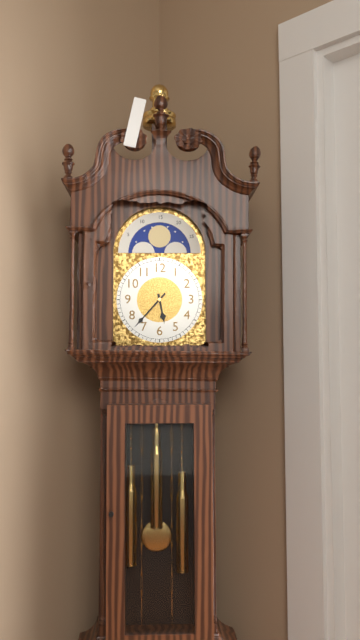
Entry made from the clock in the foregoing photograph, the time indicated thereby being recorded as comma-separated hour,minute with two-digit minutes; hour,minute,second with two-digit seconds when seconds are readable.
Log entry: 5,37
